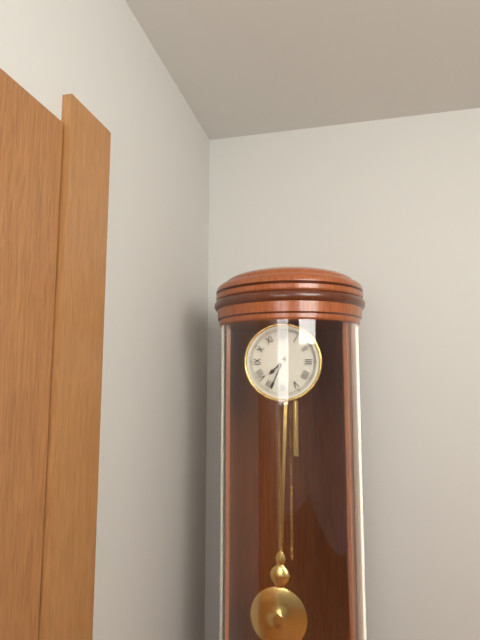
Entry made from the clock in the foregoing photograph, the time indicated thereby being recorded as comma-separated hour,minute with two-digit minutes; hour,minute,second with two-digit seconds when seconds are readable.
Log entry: 7,34
